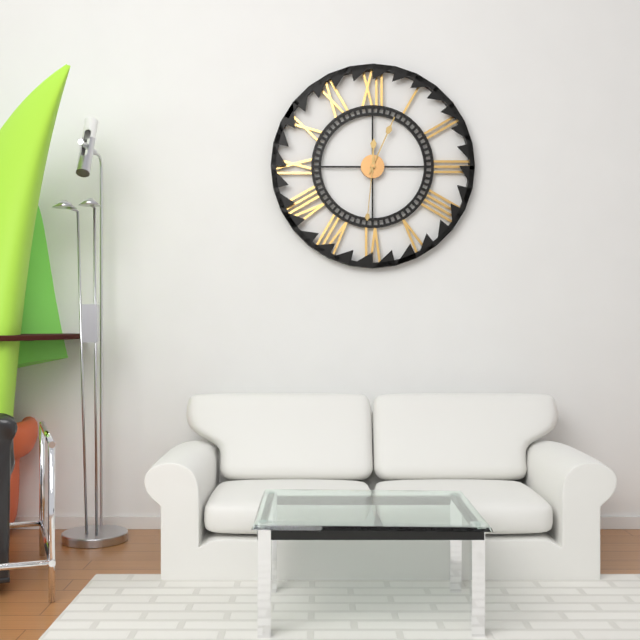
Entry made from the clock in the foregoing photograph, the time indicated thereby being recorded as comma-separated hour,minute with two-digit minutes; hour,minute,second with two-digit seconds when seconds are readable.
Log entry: 12,04,31
